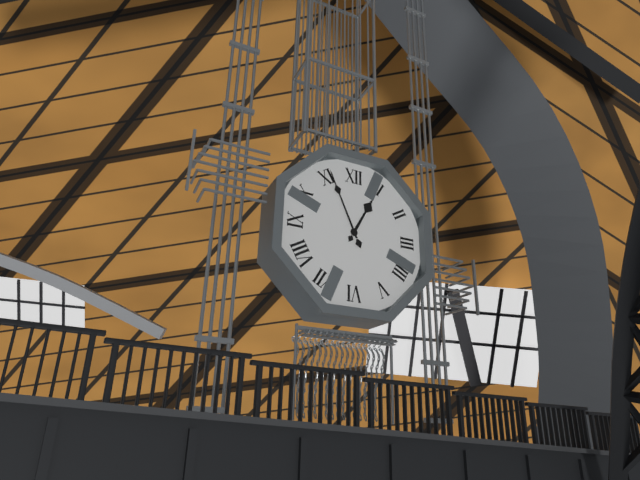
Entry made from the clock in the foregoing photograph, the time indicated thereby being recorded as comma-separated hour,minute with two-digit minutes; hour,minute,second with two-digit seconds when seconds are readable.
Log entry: 12,56
